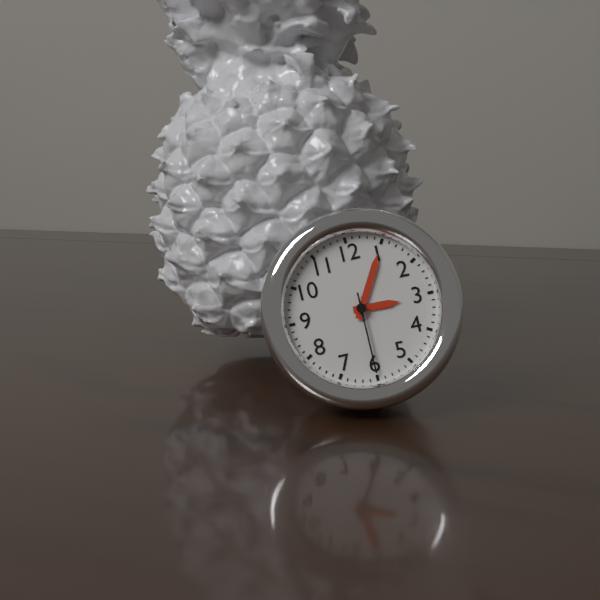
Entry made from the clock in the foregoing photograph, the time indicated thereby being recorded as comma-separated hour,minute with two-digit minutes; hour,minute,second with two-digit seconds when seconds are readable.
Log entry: 3,05,30
